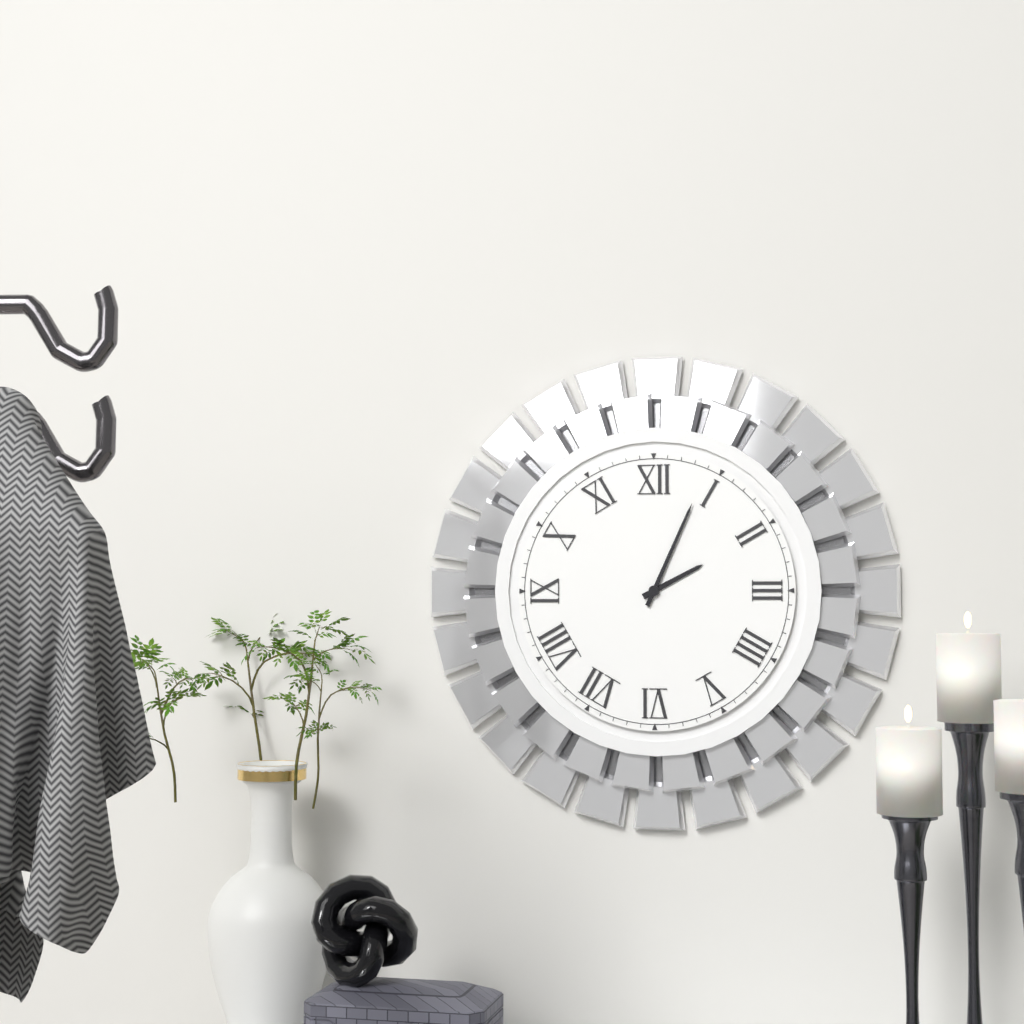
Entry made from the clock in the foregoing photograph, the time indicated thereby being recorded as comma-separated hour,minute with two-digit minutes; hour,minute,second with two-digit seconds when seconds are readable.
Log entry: 2,04
